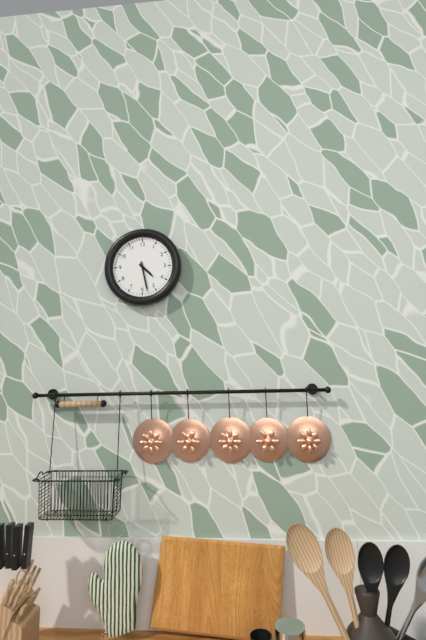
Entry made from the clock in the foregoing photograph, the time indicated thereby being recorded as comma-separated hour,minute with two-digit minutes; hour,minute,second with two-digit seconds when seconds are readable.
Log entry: 4,28
